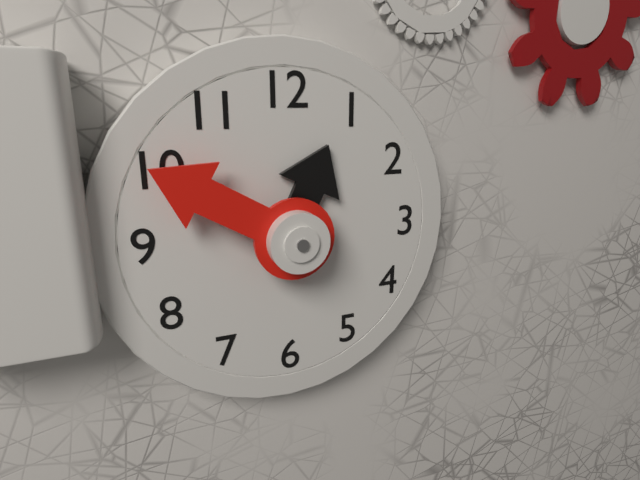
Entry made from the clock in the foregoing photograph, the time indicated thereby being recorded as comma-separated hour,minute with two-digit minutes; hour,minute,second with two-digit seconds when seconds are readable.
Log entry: 12,50
